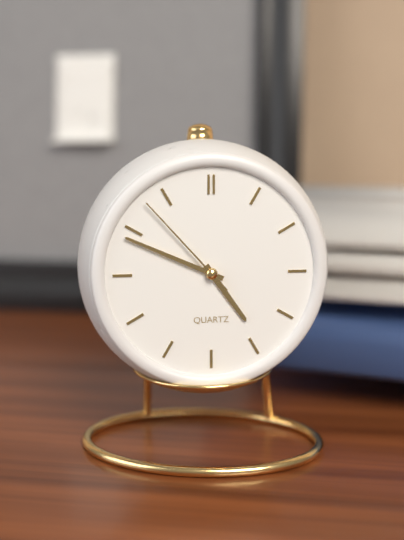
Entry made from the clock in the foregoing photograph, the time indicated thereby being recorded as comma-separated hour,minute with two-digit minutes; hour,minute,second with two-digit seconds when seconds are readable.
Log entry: 4,49,53
